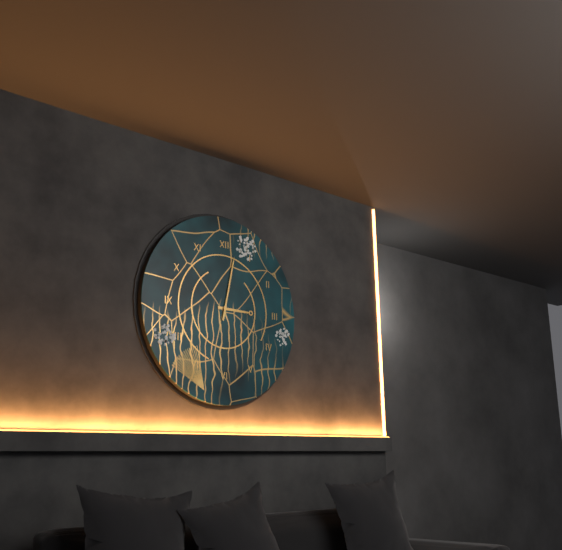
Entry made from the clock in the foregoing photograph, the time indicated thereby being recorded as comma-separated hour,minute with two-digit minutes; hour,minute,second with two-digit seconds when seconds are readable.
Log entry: 3,02
